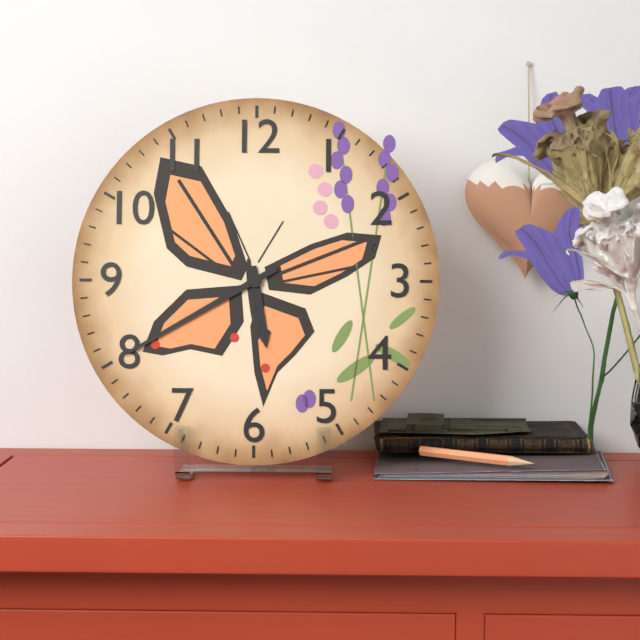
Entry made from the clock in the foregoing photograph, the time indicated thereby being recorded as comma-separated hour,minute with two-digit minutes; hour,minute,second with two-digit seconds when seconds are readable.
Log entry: 5,40
